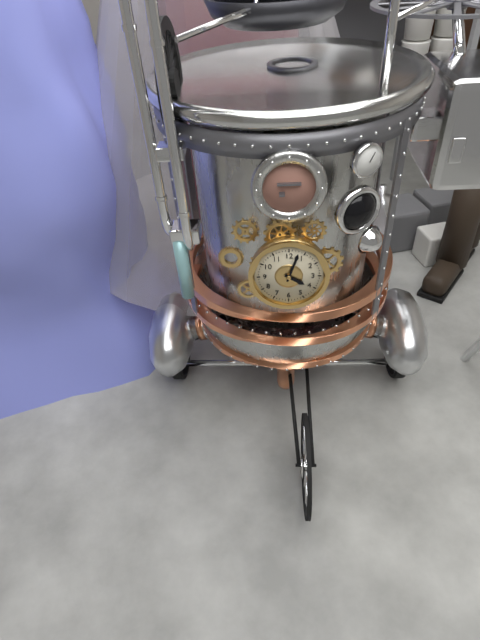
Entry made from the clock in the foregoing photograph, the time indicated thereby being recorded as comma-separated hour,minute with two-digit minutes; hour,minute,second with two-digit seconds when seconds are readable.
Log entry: 4,03
